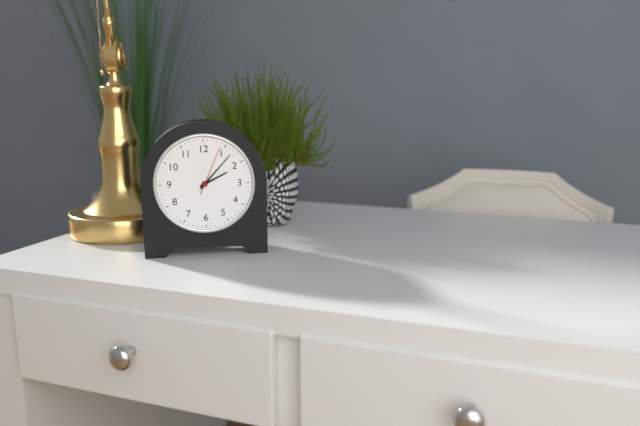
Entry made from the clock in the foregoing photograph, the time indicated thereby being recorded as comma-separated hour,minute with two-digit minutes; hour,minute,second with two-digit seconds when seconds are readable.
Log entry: 2,07,04
